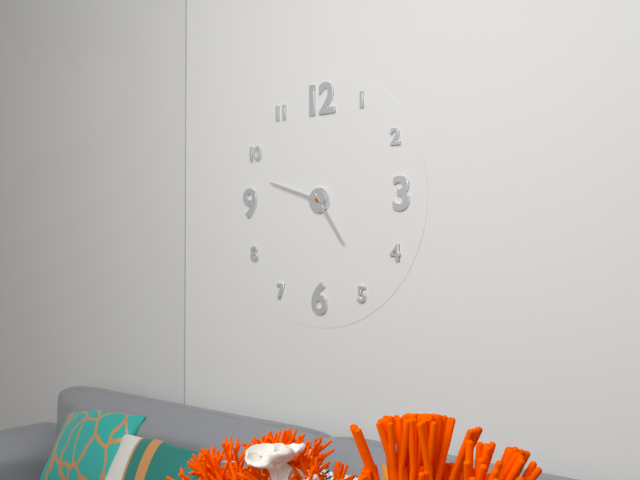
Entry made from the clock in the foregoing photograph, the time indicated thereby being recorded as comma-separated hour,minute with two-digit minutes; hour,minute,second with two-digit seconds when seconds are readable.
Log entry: 4,48
